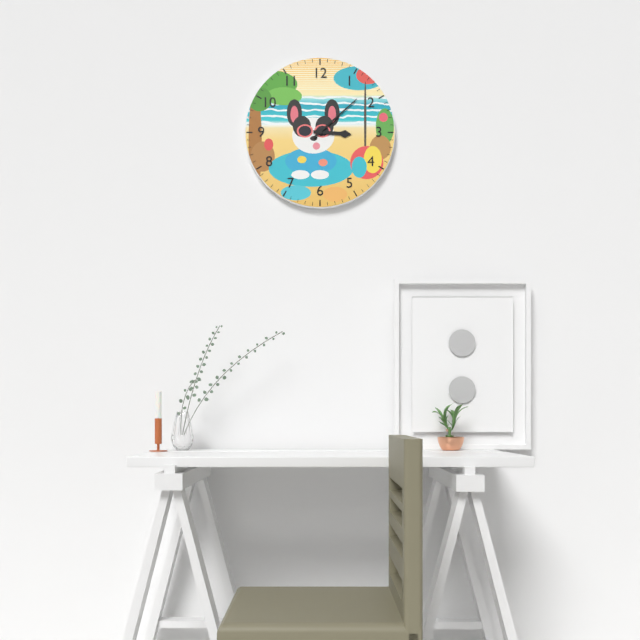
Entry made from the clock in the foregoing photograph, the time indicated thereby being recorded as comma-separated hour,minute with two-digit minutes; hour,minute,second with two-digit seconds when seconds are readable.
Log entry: 3,08
